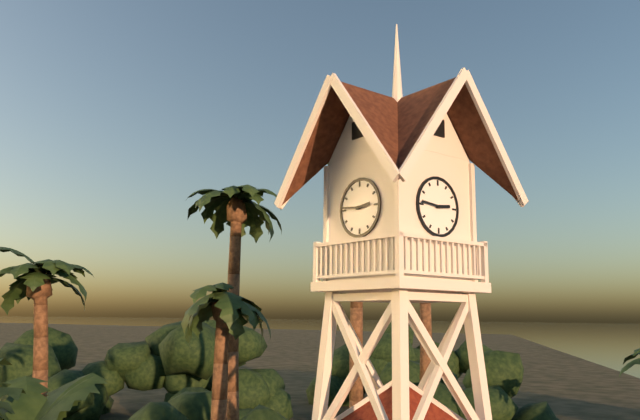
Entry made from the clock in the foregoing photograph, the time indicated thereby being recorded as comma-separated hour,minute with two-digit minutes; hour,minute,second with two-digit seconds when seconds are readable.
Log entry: 2,46
